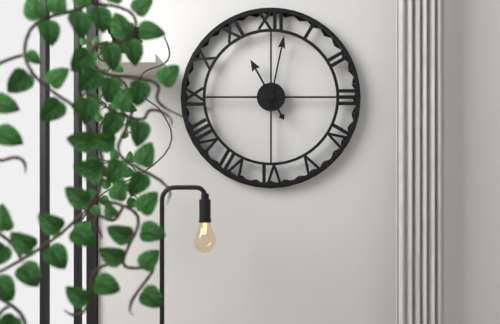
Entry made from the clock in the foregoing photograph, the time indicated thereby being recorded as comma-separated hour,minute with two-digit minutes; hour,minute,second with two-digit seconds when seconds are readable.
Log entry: 11,02
